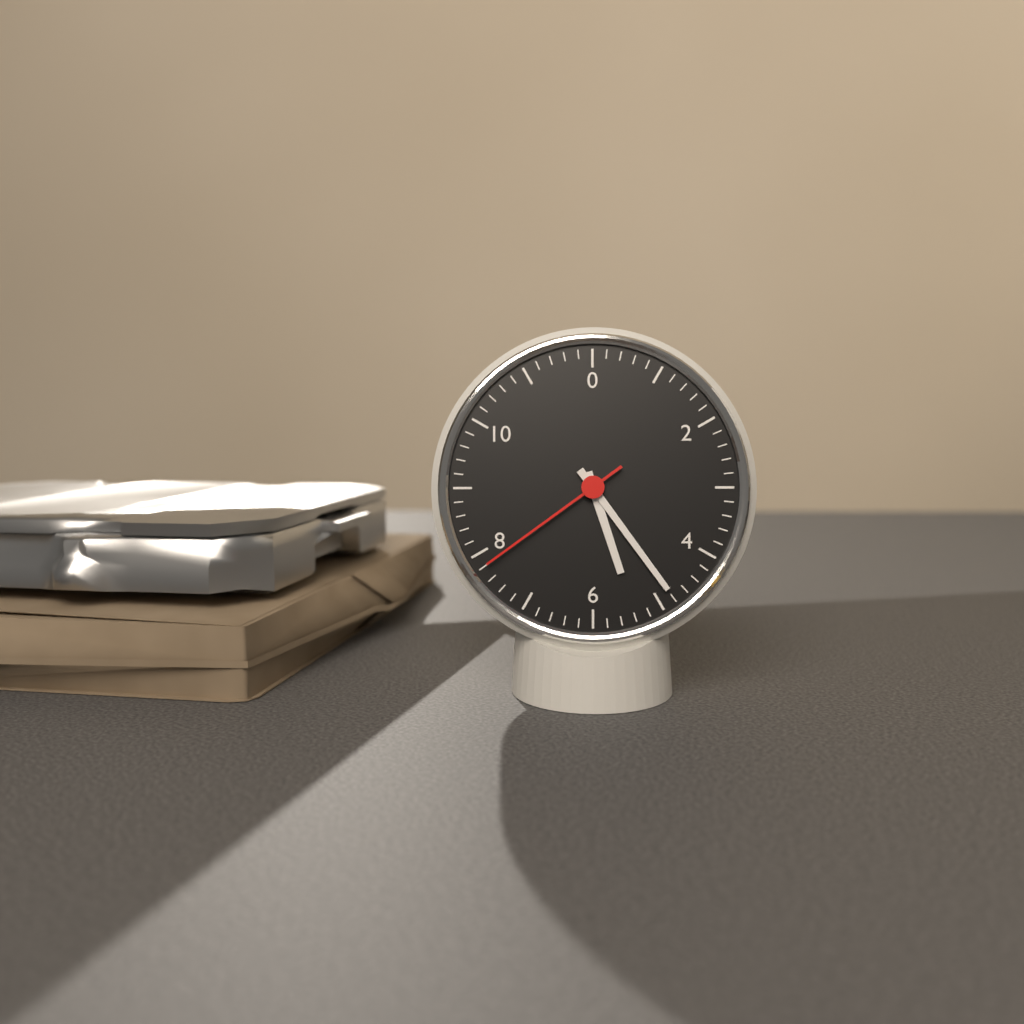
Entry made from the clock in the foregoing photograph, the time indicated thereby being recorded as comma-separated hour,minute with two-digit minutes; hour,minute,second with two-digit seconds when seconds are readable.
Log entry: 5,24,39
